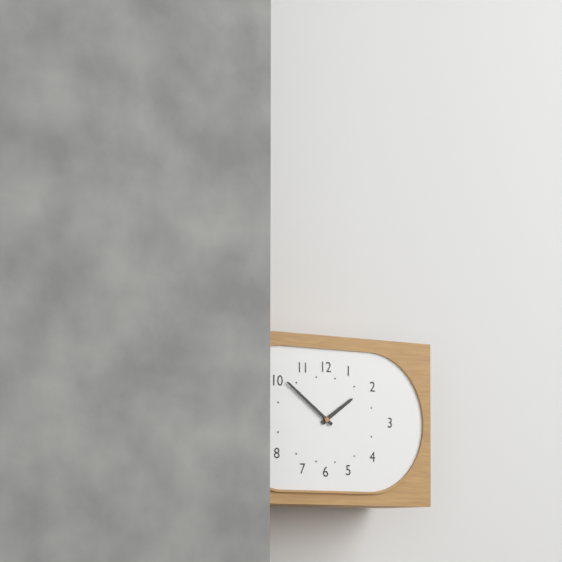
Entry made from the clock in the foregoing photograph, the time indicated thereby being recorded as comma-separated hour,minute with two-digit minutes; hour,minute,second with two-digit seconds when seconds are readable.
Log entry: 1,51
